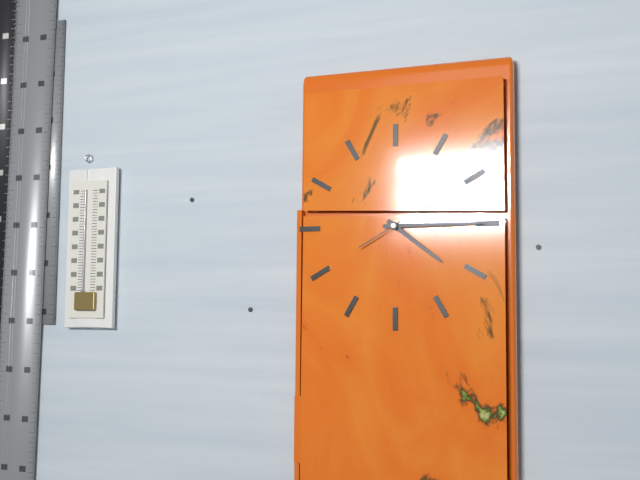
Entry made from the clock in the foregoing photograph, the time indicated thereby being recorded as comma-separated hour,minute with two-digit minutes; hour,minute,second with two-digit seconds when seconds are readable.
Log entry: 4,15,10
